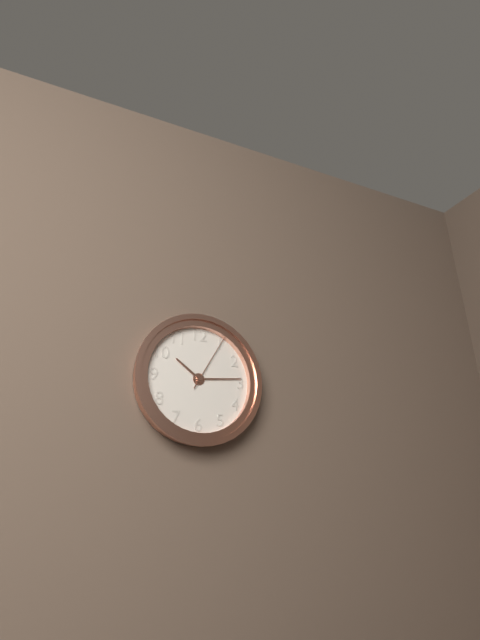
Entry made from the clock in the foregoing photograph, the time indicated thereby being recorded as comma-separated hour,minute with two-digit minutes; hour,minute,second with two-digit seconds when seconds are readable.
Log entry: 10,14,05
